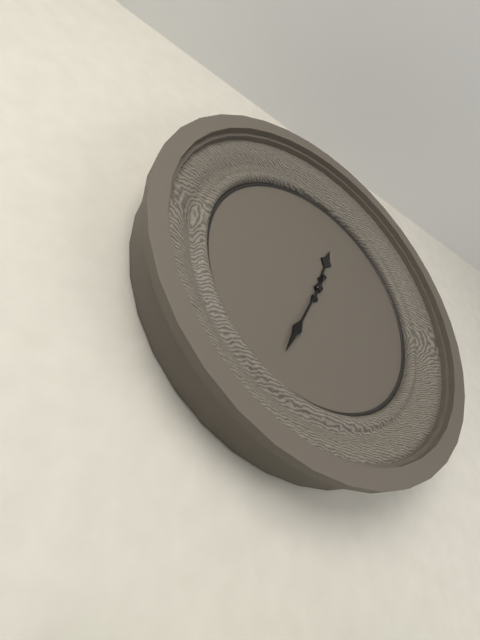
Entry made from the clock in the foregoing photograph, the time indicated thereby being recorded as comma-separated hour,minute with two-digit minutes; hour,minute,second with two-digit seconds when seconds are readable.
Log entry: 12,34
